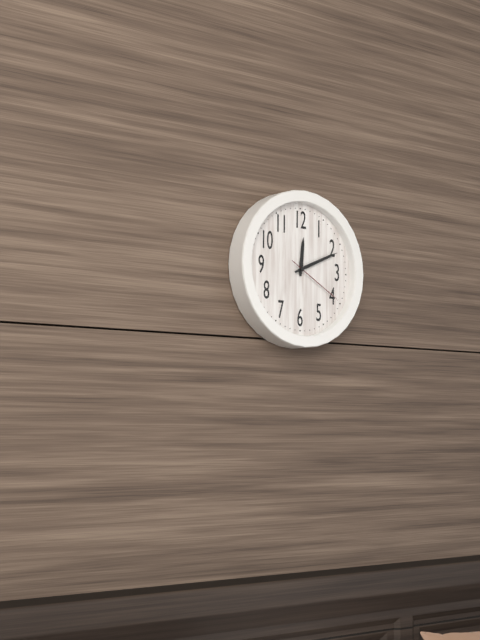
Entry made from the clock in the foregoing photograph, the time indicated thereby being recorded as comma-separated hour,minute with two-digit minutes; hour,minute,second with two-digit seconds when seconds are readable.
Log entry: 12,11,20
